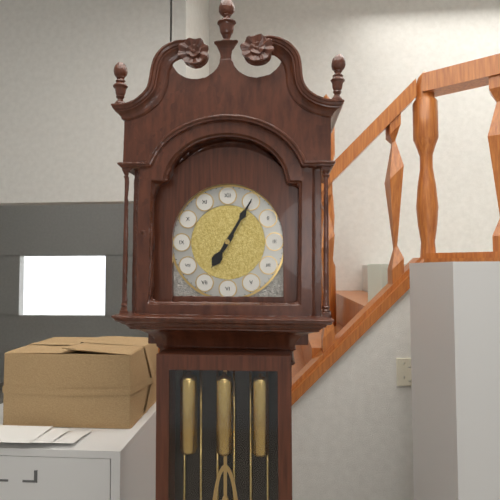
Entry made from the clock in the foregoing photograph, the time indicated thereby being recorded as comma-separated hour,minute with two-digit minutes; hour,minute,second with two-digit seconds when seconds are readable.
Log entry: 7,05
